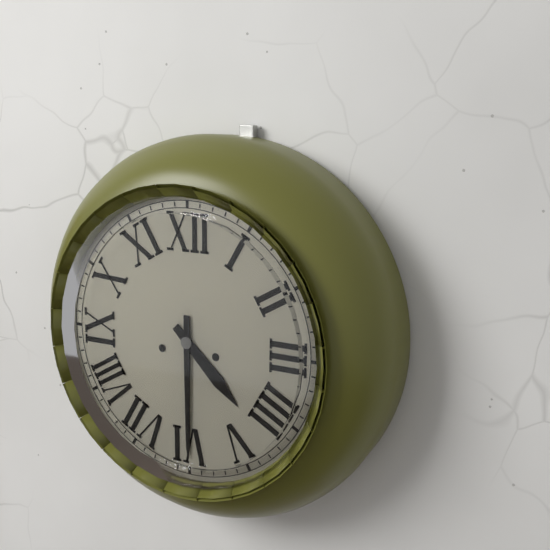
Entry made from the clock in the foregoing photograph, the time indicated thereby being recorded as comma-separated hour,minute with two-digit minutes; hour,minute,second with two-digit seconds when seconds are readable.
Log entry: 4,30
